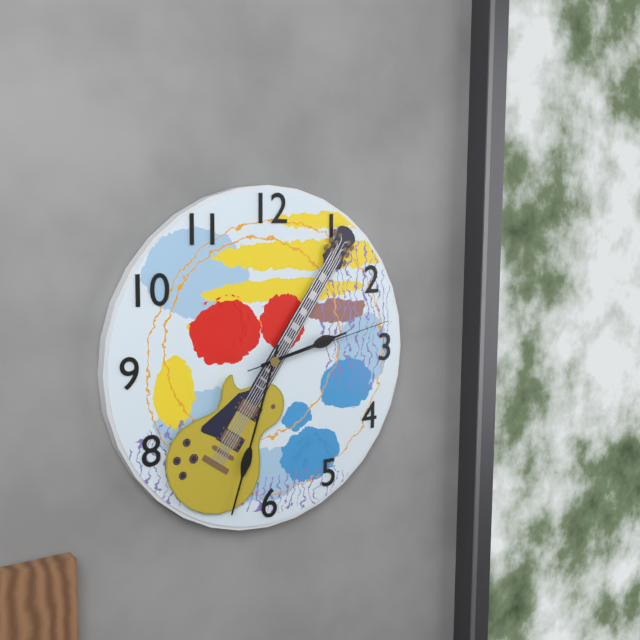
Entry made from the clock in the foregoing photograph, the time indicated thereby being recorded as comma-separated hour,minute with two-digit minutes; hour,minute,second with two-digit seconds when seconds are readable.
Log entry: 2,33,13
